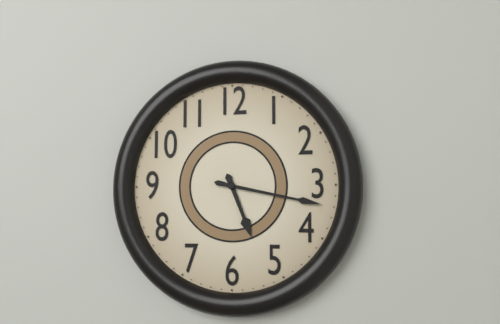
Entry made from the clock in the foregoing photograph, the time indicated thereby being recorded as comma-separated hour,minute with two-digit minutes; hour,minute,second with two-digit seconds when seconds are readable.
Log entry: 5,17
